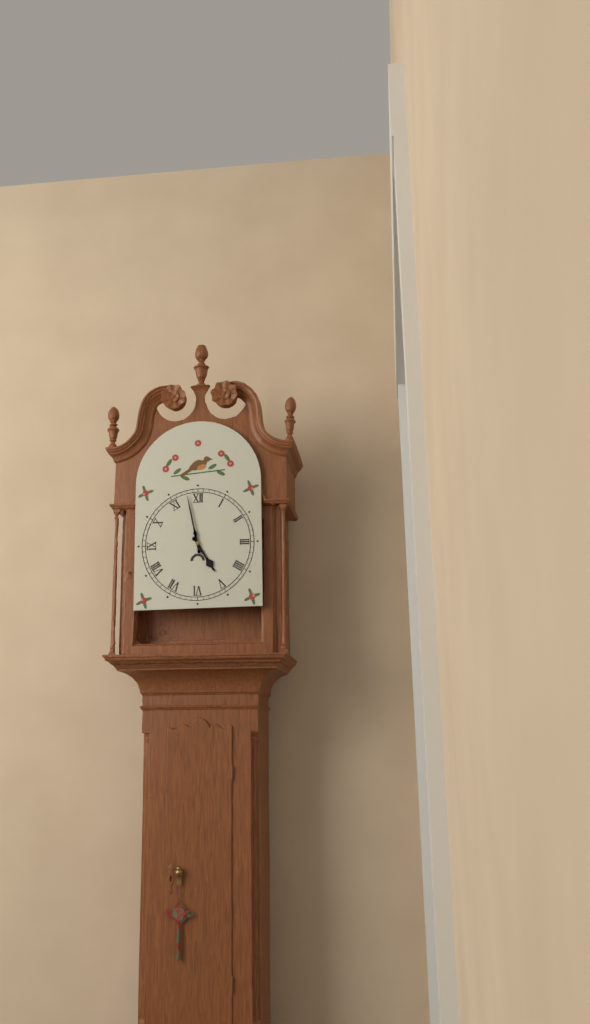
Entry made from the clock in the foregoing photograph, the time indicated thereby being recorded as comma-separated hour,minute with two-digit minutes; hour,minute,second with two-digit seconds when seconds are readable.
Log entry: 4,58
